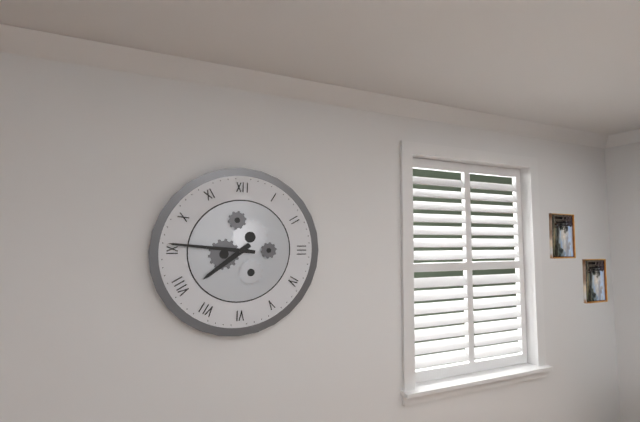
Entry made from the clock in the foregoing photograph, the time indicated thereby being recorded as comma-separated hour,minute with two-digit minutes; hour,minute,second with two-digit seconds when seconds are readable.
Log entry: 7,46
